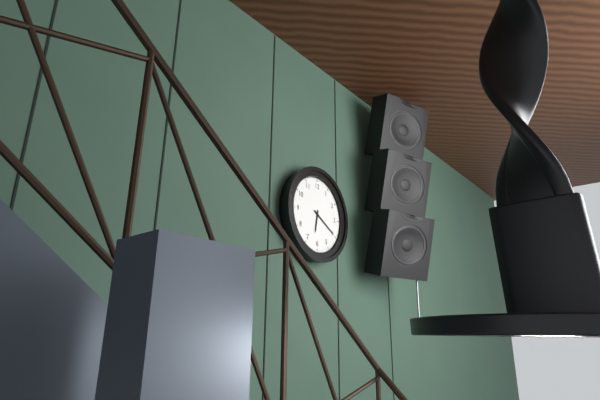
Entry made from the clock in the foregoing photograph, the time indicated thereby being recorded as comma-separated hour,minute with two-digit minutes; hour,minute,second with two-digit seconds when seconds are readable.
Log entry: 6,20
